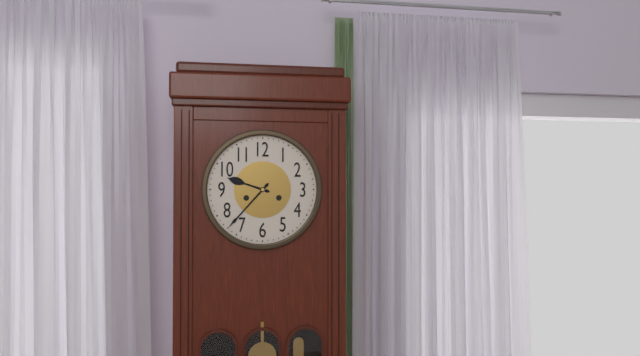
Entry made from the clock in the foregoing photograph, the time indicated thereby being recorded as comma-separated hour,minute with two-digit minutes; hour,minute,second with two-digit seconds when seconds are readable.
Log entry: 9,37
